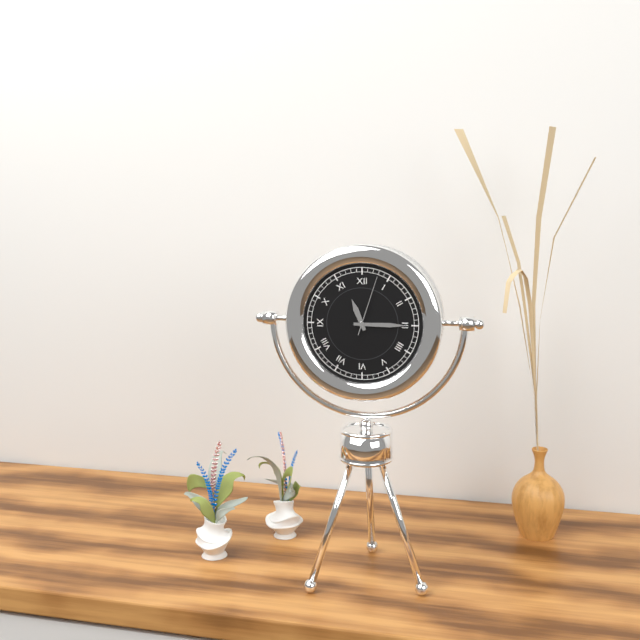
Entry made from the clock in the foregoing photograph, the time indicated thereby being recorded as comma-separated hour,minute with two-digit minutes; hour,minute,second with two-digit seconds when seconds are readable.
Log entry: 11,15,03
